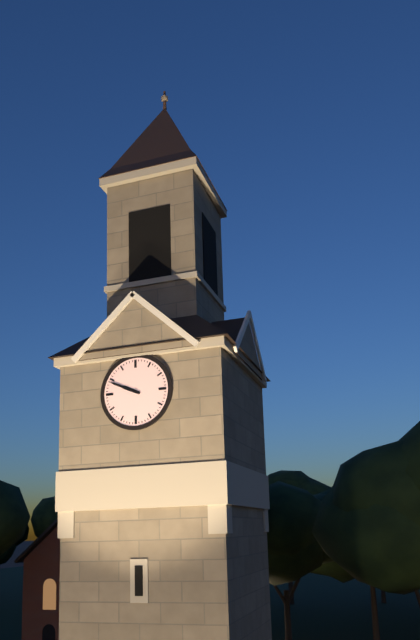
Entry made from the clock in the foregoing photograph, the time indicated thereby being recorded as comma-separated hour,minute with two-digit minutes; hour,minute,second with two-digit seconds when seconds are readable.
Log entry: 9,49
